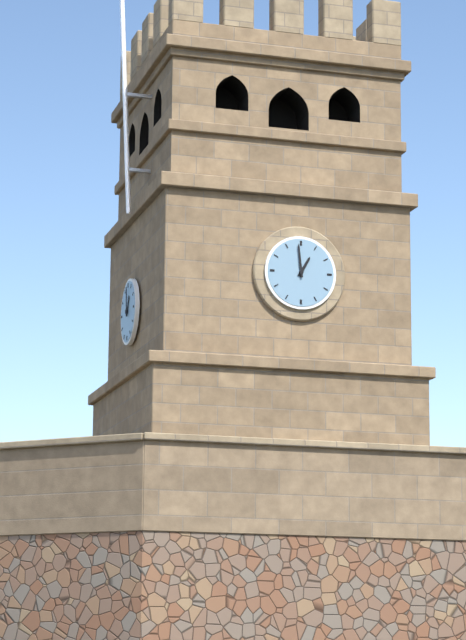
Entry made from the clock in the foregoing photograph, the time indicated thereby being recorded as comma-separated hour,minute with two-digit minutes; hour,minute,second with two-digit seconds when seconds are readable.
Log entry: 12,59
